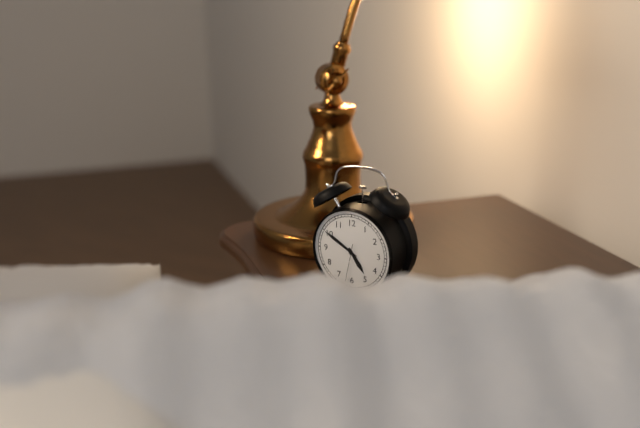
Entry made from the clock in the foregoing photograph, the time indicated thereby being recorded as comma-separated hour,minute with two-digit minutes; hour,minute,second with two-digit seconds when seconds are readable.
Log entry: 4,50,32
